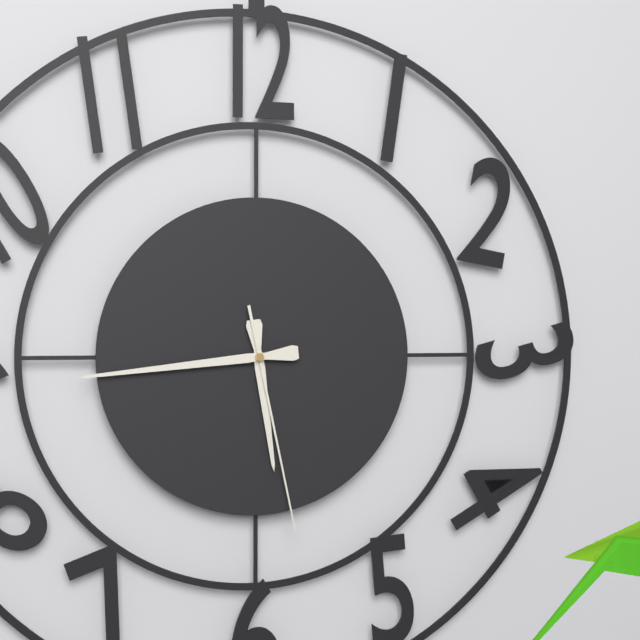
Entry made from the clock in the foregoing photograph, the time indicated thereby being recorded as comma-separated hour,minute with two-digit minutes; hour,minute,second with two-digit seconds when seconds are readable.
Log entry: 5,44,28
